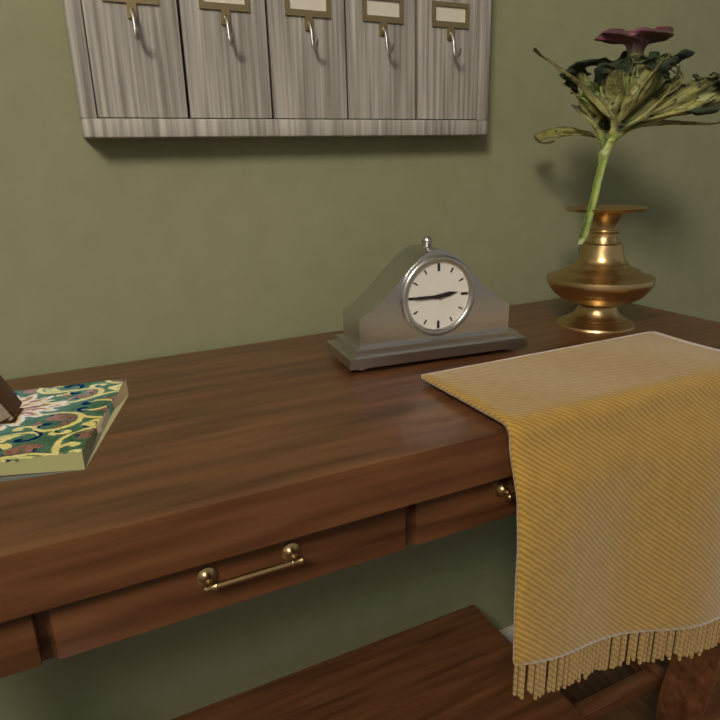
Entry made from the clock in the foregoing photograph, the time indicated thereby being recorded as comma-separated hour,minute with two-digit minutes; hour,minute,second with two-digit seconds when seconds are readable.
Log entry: 2,45
